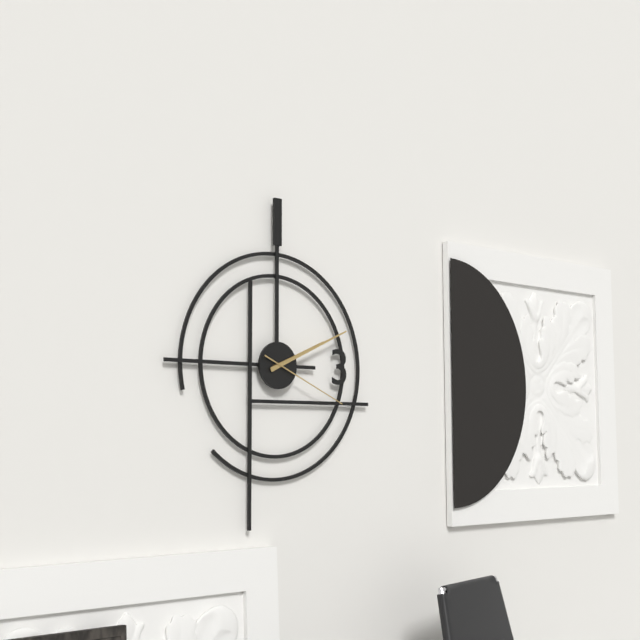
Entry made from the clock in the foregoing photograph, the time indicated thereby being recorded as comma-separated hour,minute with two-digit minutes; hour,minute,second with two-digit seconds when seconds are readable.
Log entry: 2,11,19
